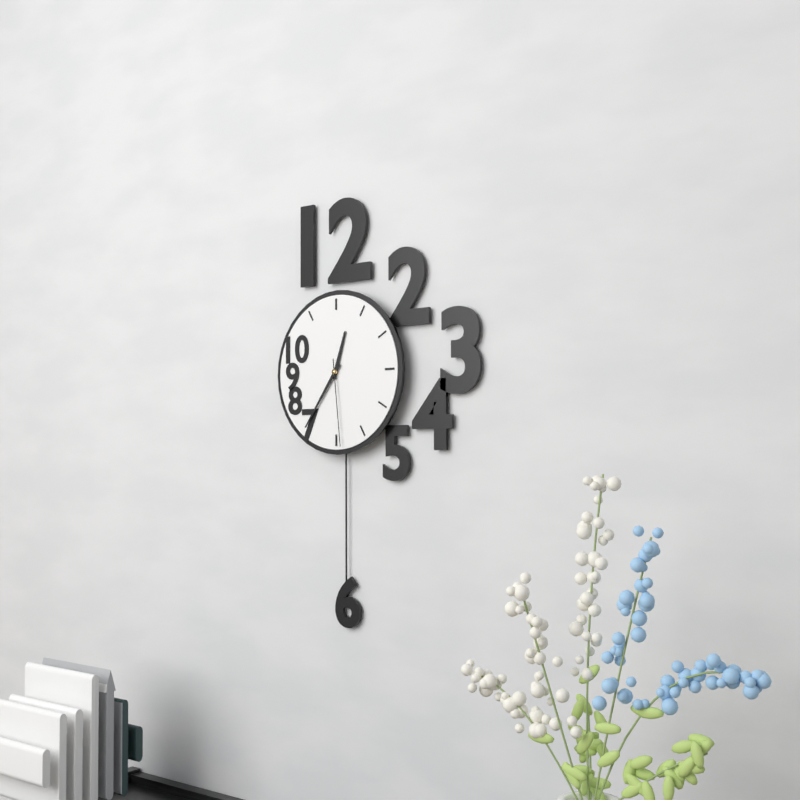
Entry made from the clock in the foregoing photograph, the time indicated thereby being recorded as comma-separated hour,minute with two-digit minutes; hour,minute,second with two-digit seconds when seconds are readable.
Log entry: 12,36,29
